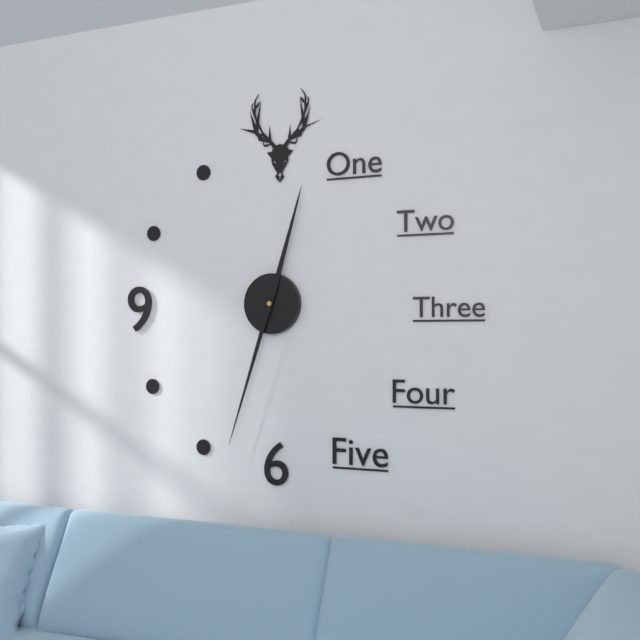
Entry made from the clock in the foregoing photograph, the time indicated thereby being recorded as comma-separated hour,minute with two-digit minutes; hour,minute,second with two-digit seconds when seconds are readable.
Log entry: 12,33
